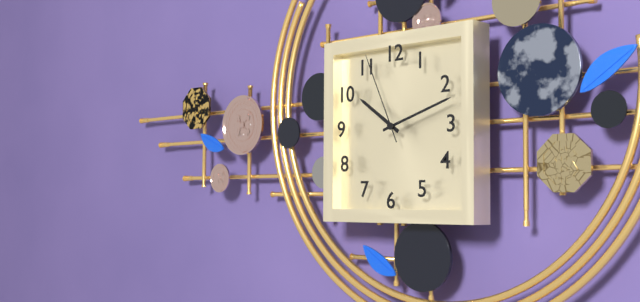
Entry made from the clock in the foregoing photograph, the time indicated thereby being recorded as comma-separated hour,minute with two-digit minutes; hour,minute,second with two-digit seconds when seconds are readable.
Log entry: 10,12,56
